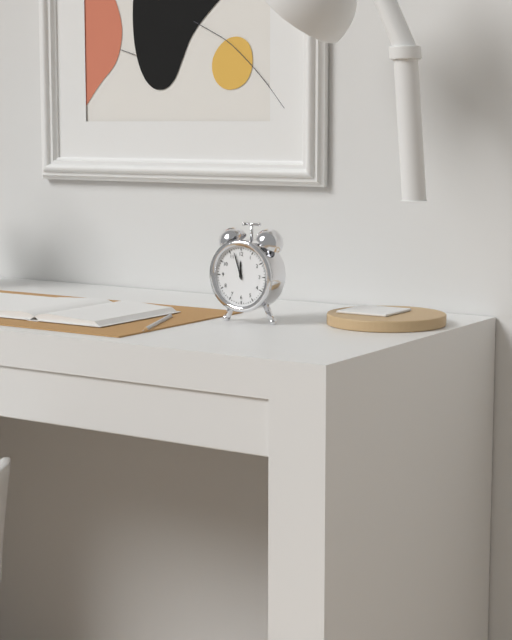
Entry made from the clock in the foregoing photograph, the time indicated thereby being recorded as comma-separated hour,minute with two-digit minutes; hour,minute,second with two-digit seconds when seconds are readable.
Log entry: 11,57
